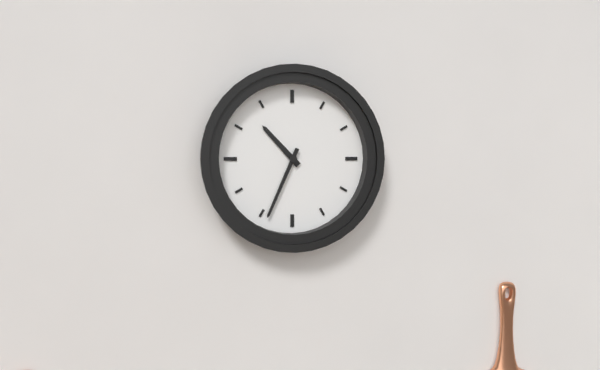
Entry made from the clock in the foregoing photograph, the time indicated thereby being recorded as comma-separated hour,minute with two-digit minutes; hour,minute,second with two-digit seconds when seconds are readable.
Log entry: 10,34
